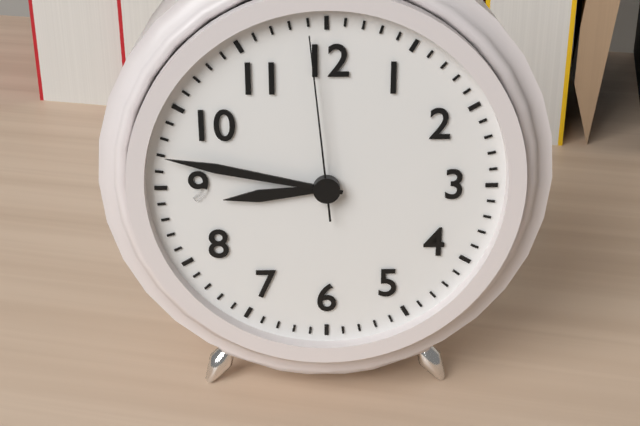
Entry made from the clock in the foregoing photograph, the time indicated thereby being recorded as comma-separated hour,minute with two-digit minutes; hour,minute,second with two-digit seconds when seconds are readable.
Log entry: 8,47,59
